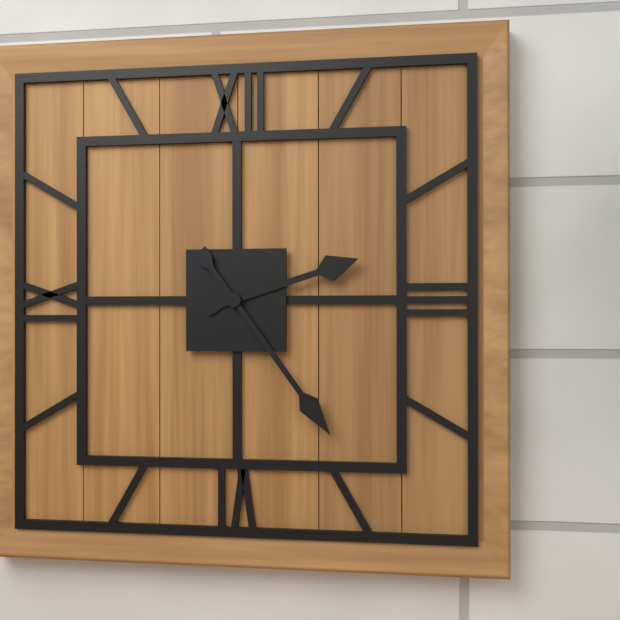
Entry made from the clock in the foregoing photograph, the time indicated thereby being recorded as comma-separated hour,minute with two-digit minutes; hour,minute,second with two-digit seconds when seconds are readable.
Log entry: 2,24
